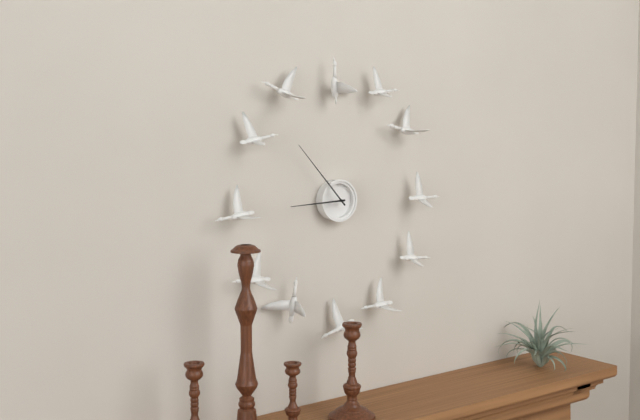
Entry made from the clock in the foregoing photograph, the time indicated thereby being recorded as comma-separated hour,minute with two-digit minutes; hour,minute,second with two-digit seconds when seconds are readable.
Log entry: 8,53
